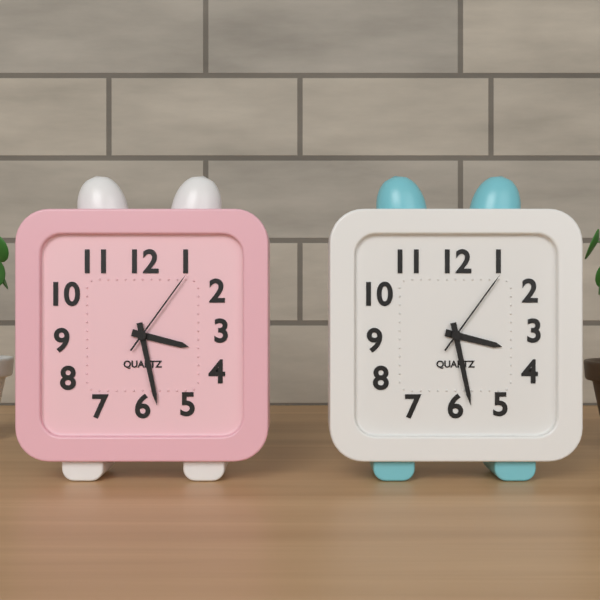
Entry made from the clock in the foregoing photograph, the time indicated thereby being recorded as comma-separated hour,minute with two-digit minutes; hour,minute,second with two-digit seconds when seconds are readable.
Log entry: 3,28,06
